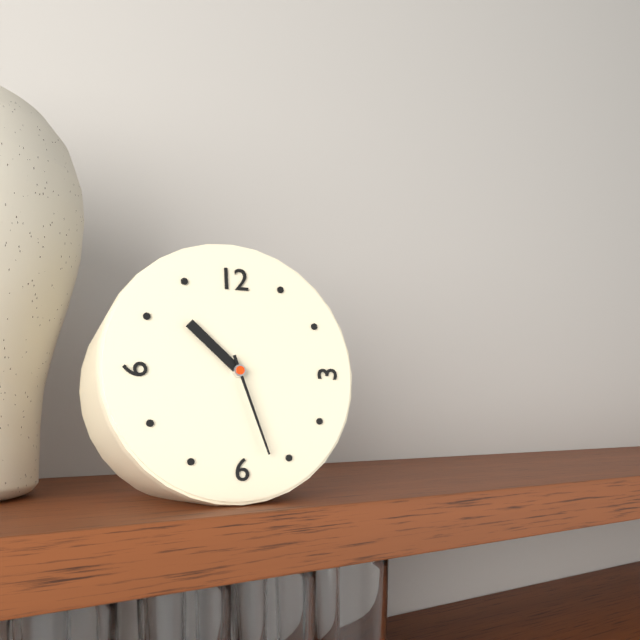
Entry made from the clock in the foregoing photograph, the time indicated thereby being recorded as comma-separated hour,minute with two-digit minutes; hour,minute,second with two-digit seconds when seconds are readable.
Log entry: 10,27
